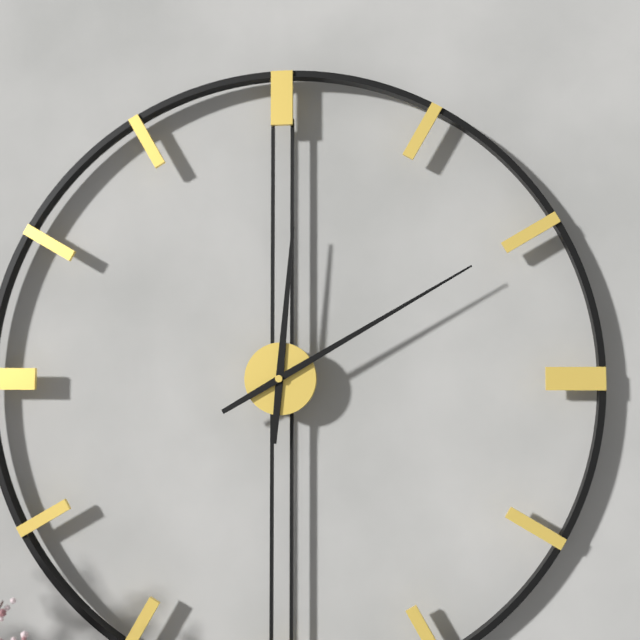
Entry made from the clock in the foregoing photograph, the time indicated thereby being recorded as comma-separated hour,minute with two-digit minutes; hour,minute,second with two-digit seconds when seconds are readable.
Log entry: 12,10
